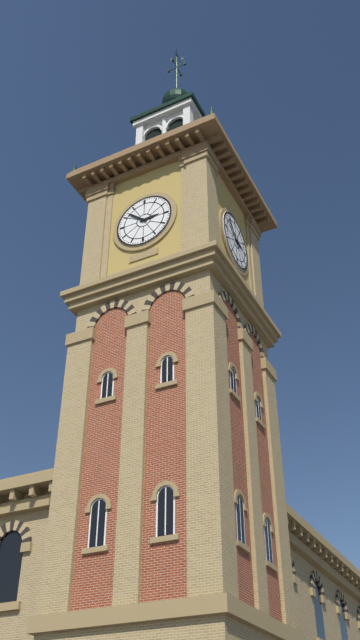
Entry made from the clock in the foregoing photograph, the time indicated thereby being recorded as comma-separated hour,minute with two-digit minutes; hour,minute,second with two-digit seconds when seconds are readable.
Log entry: 2,52
